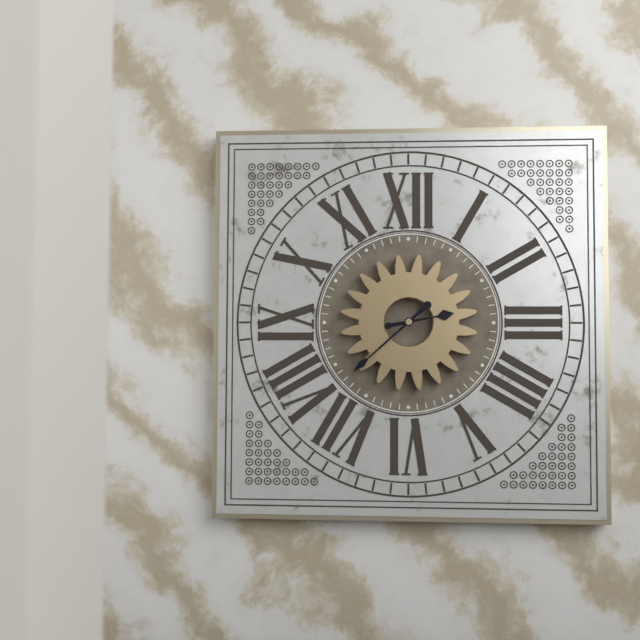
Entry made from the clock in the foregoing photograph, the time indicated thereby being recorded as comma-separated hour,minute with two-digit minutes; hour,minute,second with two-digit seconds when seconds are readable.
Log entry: 2,38
